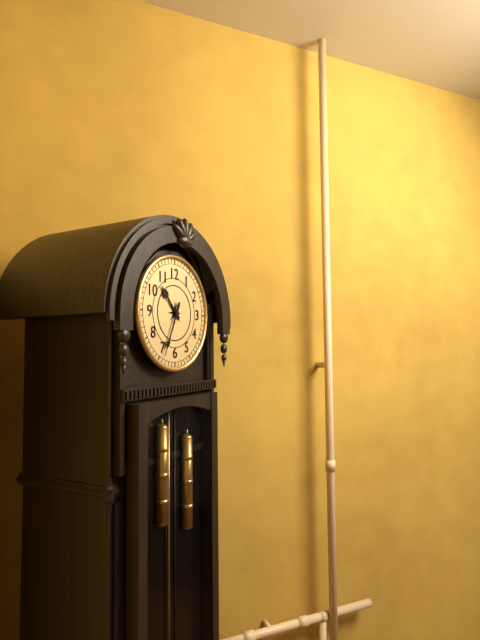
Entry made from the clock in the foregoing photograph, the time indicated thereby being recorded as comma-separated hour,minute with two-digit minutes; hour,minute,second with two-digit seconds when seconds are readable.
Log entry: 10,34
